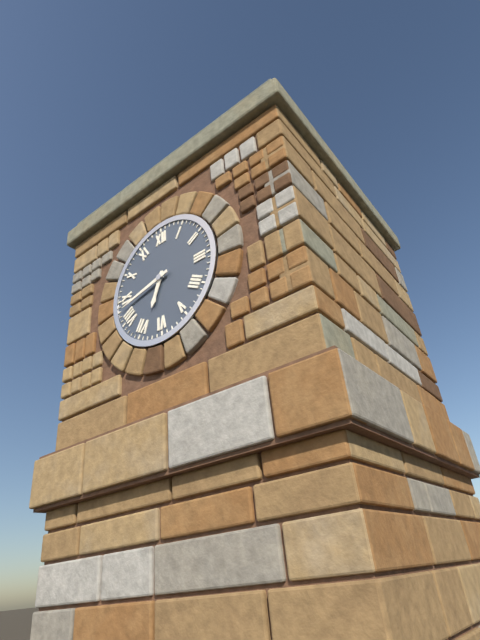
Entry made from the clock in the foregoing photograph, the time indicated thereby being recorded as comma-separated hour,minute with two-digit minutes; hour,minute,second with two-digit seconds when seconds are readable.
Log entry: 6,43
